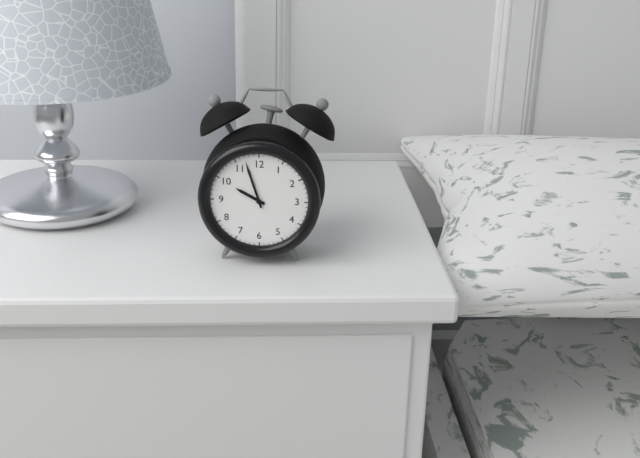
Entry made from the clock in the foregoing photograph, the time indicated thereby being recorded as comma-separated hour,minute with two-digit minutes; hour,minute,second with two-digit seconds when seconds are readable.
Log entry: 9,57
